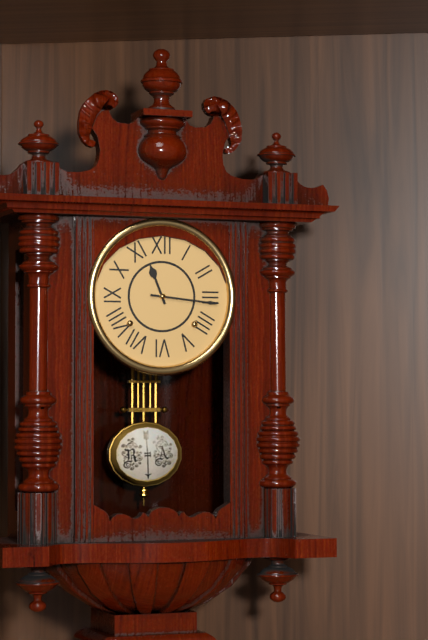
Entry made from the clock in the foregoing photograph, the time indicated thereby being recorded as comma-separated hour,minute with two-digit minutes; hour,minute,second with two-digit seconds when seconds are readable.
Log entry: 11,16
